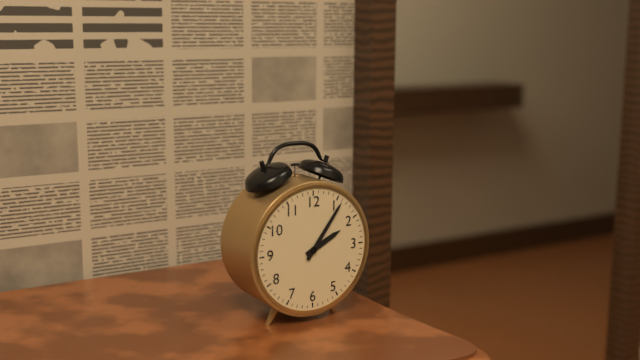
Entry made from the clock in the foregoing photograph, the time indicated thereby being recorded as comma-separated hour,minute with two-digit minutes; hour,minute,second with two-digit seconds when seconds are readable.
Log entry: 2,06
